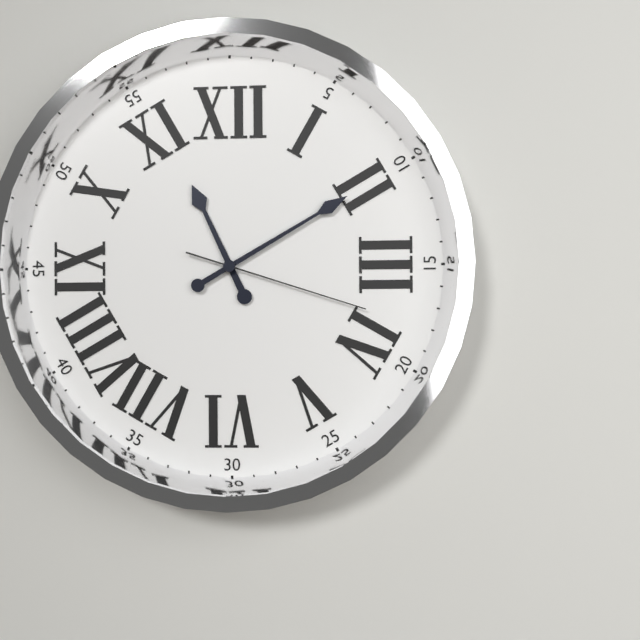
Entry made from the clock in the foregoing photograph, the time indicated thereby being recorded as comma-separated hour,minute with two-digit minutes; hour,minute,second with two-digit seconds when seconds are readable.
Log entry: 11,10,18
